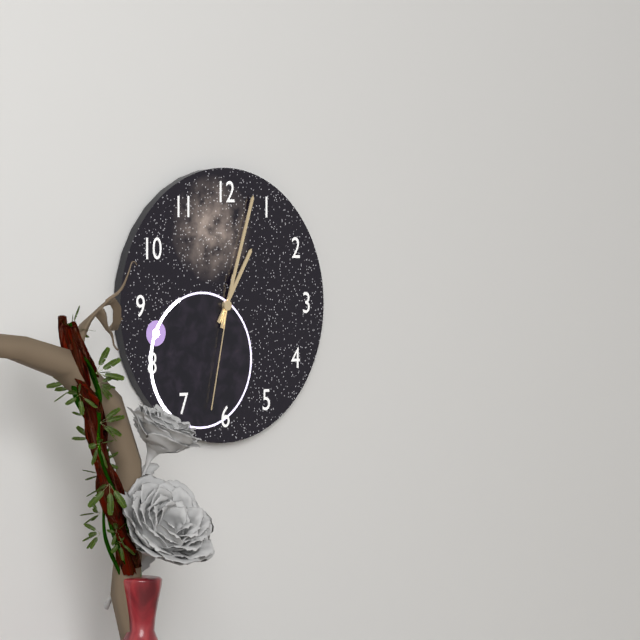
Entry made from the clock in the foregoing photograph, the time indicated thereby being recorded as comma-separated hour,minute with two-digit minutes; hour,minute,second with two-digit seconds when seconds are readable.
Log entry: 1,03,32
